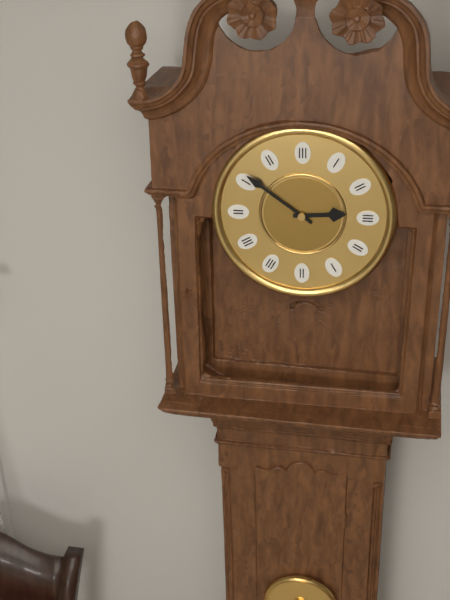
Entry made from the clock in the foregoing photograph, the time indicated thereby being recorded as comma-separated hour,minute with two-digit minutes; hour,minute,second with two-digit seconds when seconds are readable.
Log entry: 2,51
